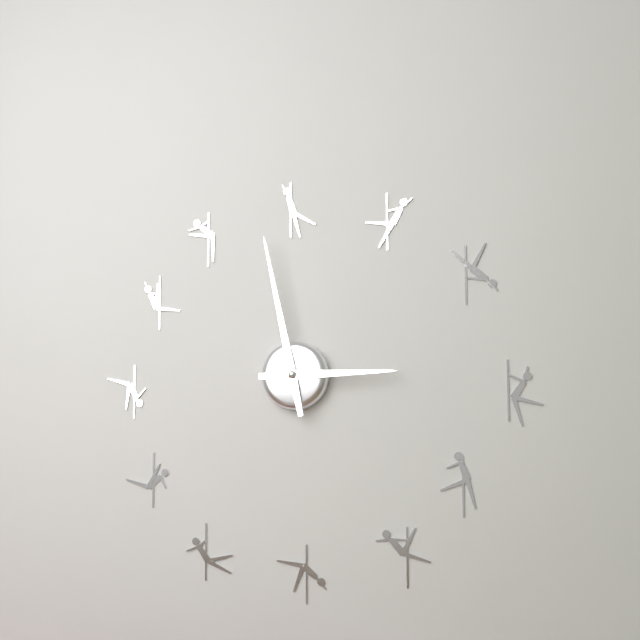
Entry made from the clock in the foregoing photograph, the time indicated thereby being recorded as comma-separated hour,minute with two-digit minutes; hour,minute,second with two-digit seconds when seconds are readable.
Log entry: 2,58
